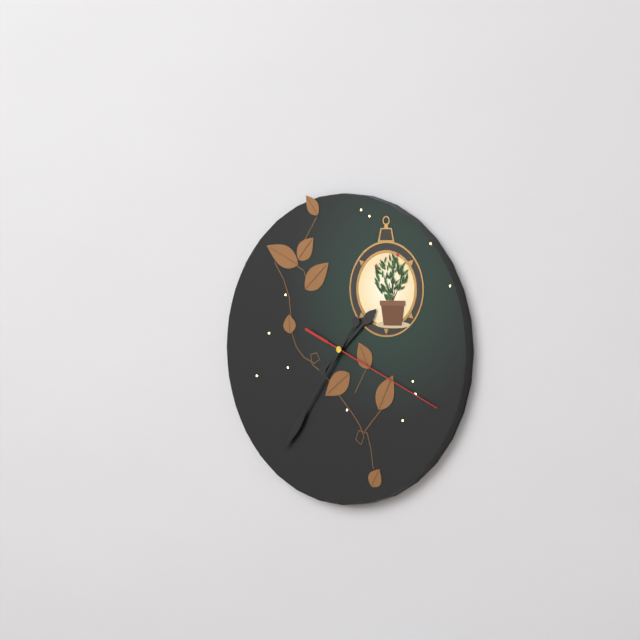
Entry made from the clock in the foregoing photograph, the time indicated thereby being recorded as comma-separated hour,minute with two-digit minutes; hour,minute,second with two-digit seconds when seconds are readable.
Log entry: 1,36,19
